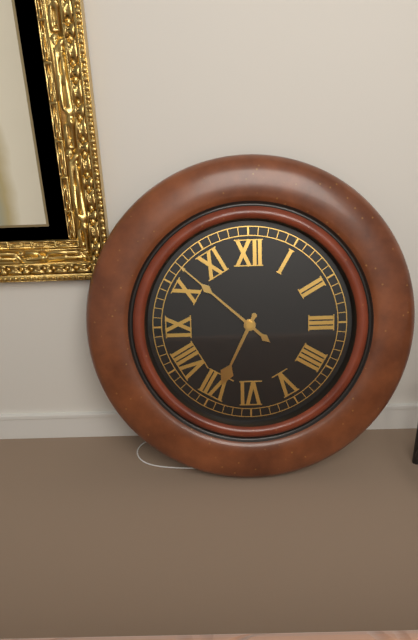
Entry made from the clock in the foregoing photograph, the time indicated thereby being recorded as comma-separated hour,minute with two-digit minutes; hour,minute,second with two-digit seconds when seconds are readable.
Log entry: 6,52
